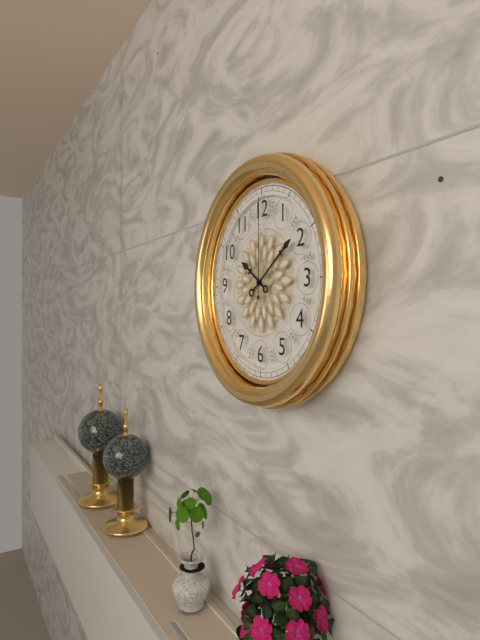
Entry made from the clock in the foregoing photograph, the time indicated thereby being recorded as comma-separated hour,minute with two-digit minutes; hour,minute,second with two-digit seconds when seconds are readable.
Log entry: 10,09,00
